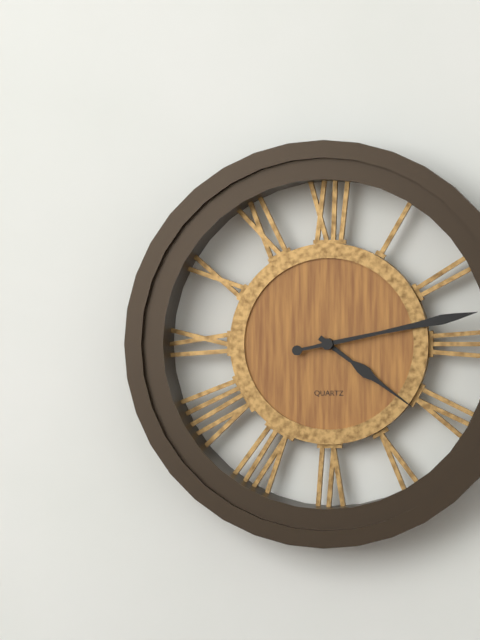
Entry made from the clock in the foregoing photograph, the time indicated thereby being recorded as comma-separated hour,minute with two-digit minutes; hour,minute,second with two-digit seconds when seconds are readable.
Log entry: 4,13
